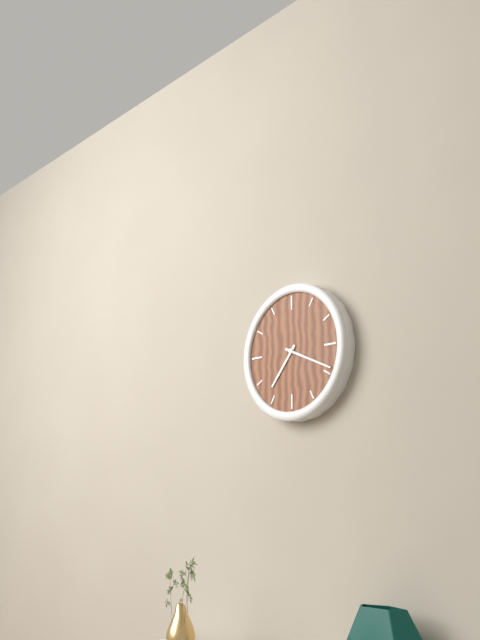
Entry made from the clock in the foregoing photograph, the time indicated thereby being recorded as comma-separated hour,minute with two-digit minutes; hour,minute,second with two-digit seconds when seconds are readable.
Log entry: 7,19
